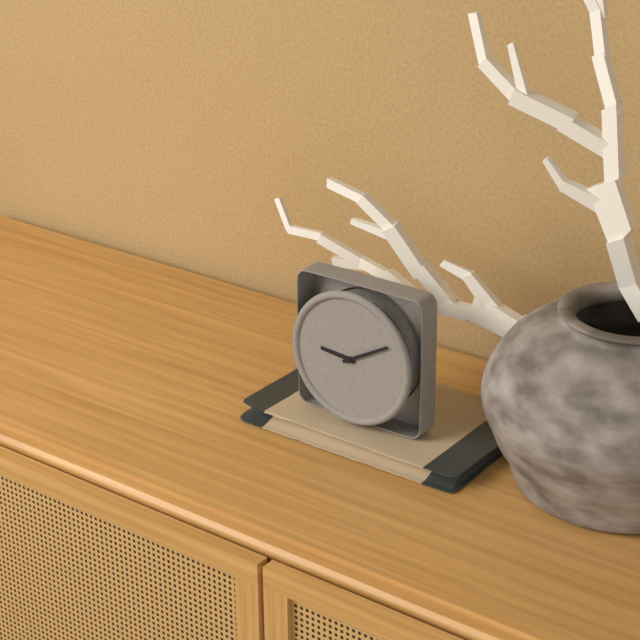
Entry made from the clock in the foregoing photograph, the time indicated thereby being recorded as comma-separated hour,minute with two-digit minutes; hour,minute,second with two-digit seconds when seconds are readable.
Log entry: 9,10
